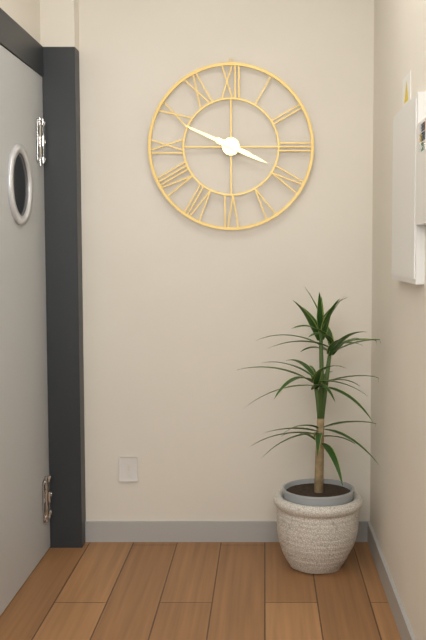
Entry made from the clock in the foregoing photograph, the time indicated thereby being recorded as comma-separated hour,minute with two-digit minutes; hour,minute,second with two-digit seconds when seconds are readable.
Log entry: 3,49
